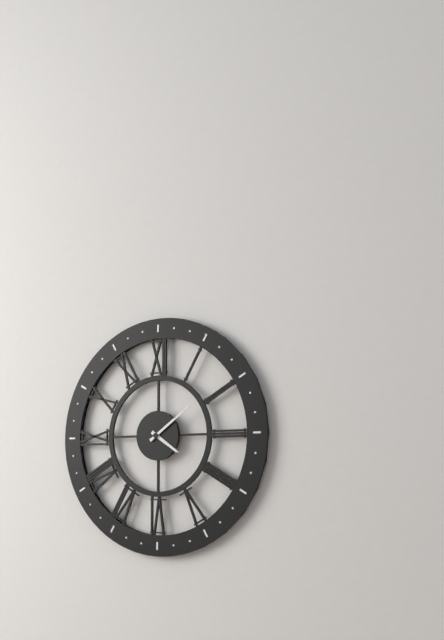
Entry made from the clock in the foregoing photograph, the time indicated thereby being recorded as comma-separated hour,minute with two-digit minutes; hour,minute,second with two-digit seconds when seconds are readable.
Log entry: 4,09
